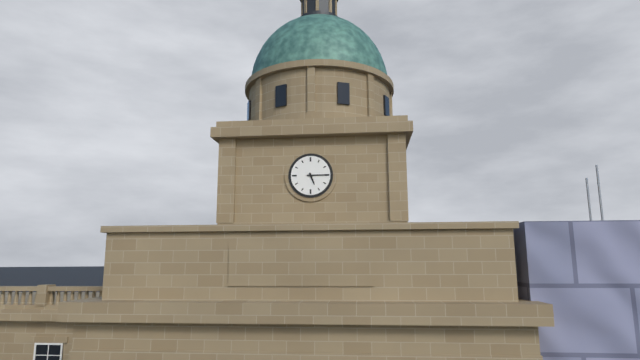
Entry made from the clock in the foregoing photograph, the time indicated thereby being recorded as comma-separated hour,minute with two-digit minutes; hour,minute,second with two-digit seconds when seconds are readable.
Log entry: 5,15
